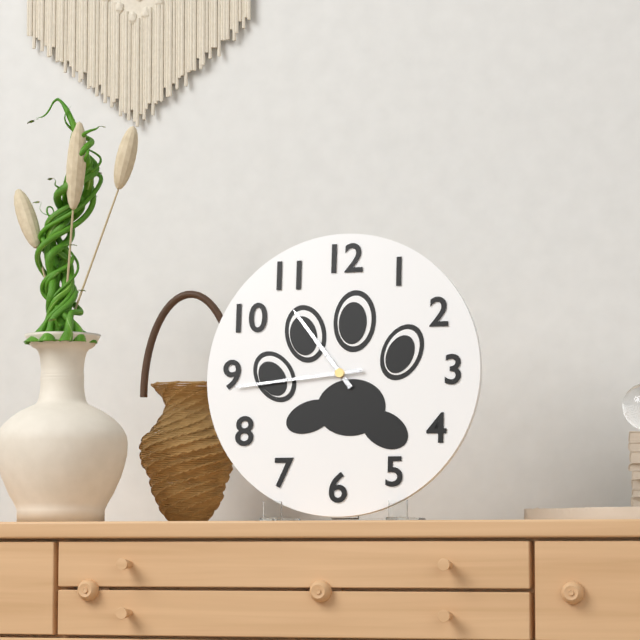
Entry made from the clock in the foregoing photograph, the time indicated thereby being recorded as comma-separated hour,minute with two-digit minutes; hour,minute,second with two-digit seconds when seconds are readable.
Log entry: 10,44
